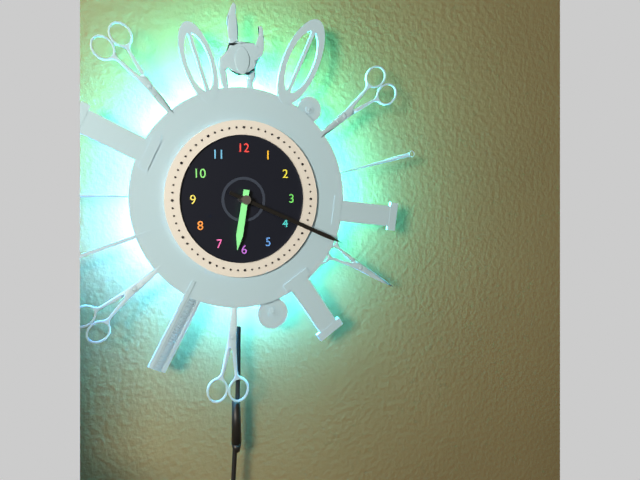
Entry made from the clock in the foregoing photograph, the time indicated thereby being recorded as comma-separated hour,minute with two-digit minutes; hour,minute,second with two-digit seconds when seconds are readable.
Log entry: 6,19
